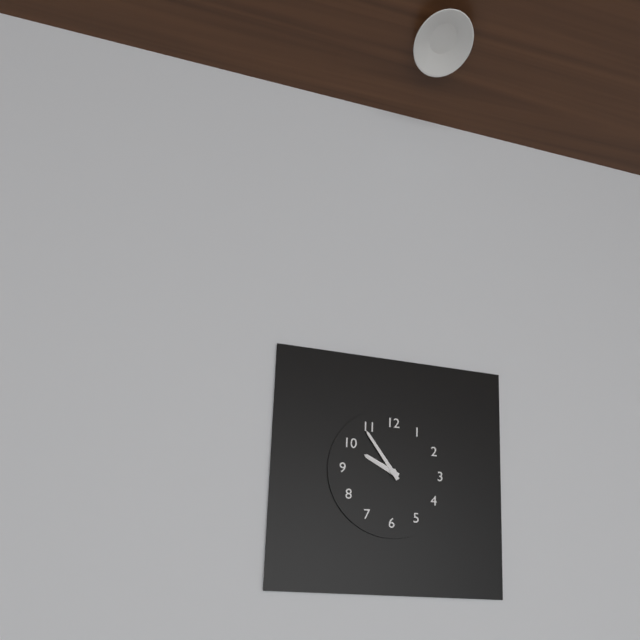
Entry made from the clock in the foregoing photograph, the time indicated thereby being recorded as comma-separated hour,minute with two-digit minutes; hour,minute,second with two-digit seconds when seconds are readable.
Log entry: 9,54
